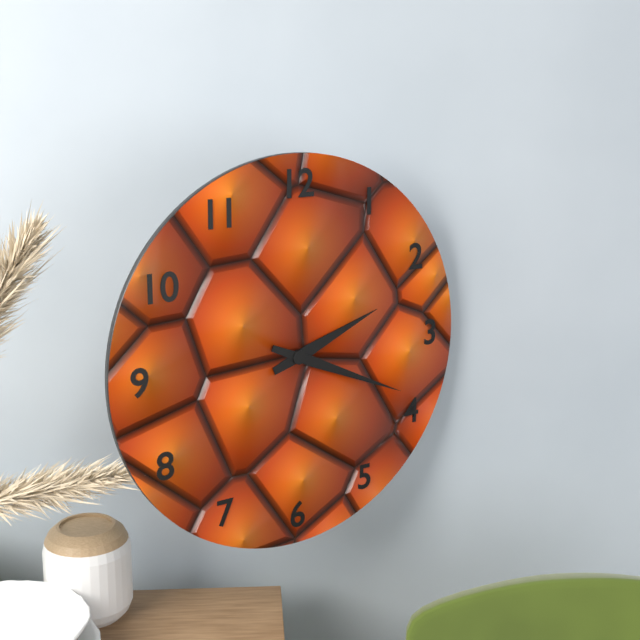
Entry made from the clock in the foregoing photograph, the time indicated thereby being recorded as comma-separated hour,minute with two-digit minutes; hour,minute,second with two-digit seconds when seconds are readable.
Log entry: 2,19
